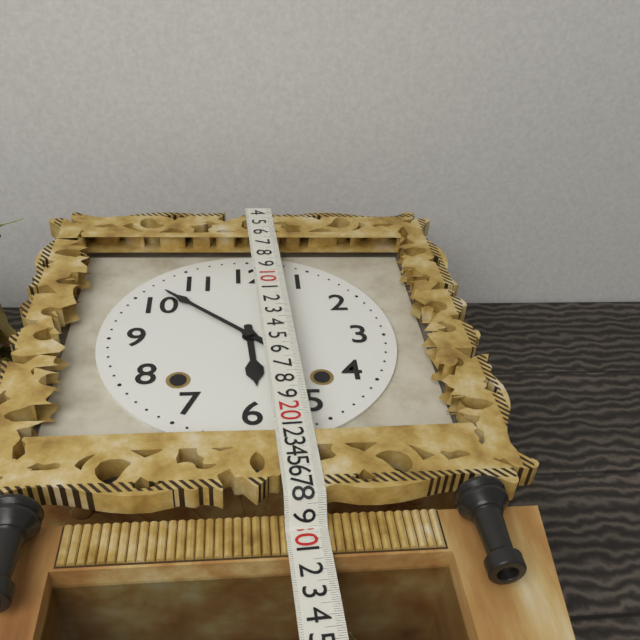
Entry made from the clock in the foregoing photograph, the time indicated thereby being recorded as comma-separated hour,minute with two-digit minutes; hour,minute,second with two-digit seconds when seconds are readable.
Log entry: 5,52
